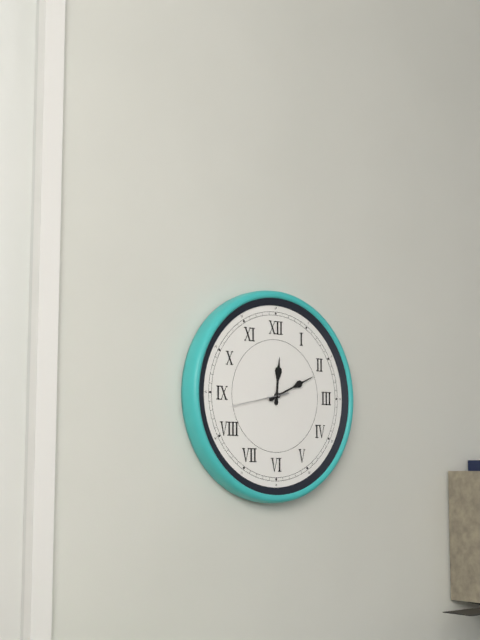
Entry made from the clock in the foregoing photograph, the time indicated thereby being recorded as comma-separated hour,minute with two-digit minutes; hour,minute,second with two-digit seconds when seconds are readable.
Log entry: 12,11
